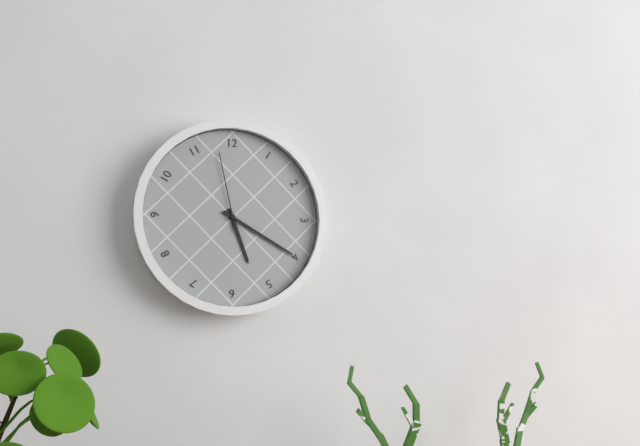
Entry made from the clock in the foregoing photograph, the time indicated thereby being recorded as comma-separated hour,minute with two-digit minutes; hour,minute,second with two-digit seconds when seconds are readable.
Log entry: 5,20,58
